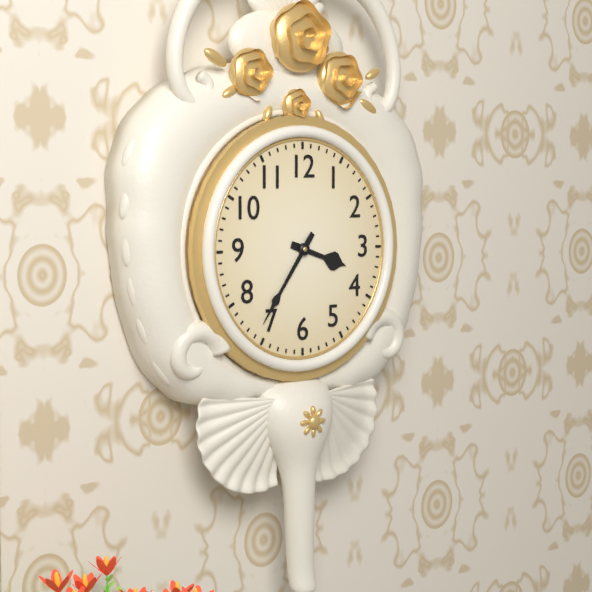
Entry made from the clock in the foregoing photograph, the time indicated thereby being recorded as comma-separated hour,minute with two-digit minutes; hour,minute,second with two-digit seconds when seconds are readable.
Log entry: 3,36
